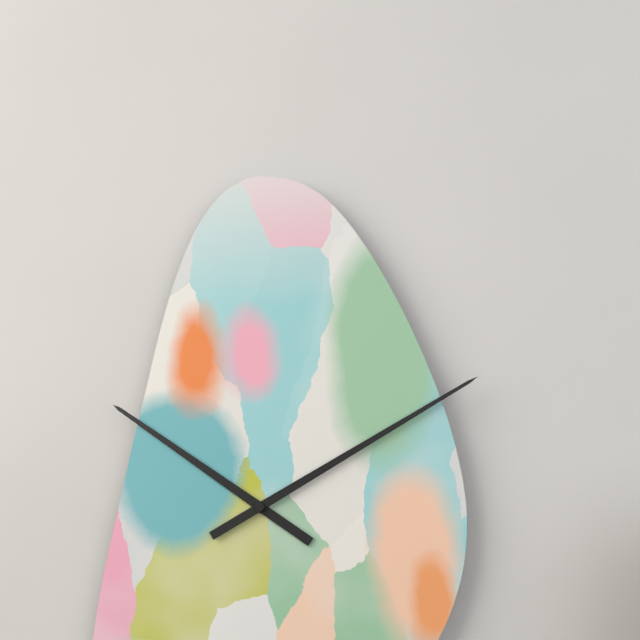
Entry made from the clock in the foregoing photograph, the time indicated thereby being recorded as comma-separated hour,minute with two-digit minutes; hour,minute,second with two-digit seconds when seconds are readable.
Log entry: 10,10
